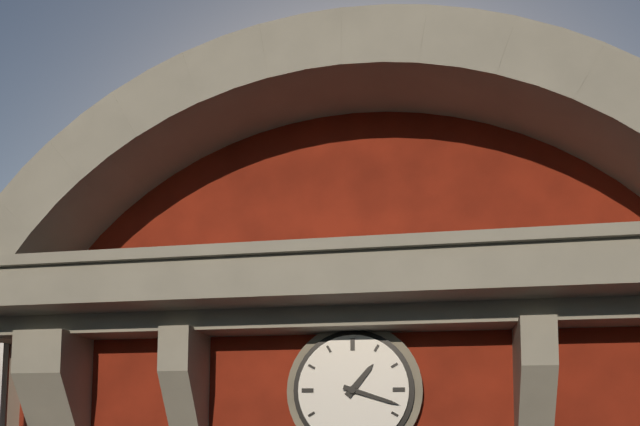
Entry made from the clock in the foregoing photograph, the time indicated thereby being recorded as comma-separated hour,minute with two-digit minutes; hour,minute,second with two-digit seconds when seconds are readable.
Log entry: 1,18
